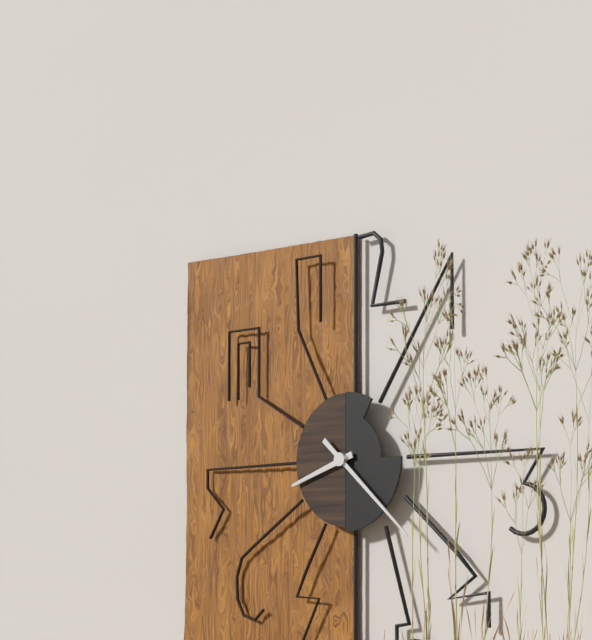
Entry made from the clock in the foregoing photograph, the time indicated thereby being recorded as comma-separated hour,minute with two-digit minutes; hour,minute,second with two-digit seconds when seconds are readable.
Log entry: 8,22
